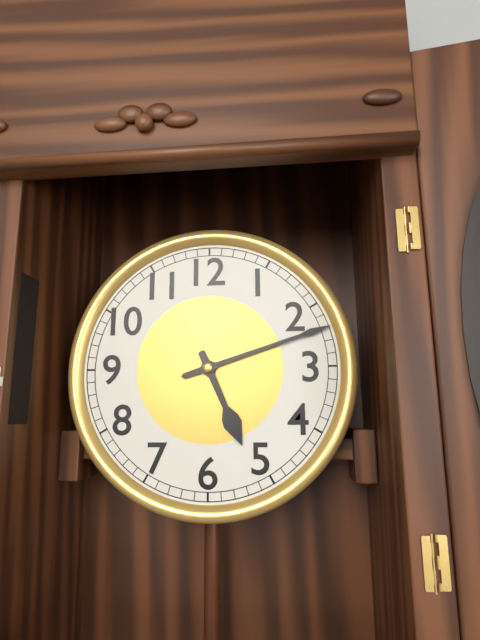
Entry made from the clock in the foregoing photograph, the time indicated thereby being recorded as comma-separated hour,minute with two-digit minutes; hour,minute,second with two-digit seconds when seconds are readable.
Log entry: 5,12
